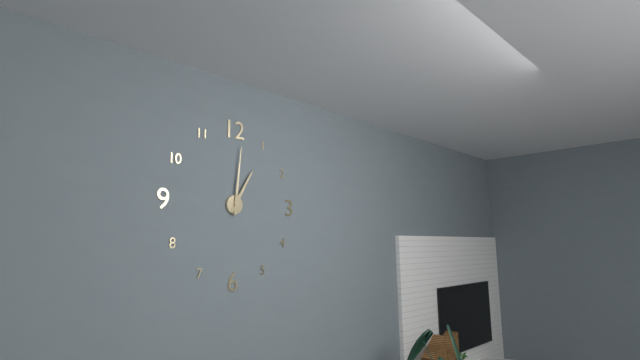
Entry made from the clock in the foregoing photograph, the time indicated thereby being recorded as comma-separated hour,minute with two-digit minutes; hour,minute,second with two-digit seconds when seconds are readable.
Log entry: 1,01
